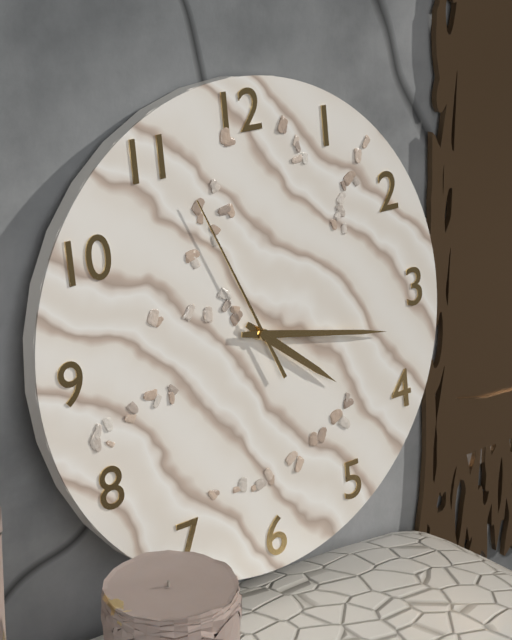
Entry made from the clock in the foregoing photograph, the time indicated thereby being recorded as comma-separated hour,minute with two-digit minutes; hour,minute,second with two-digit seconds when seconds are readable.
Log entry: 4,17,56
